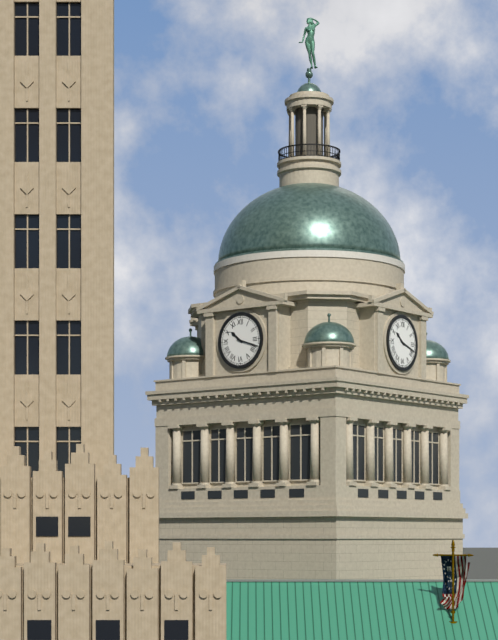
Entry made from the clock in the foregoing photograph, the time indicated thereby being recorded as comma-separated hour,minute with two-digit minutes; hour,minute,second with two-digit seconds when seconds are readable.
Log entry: 10,18
